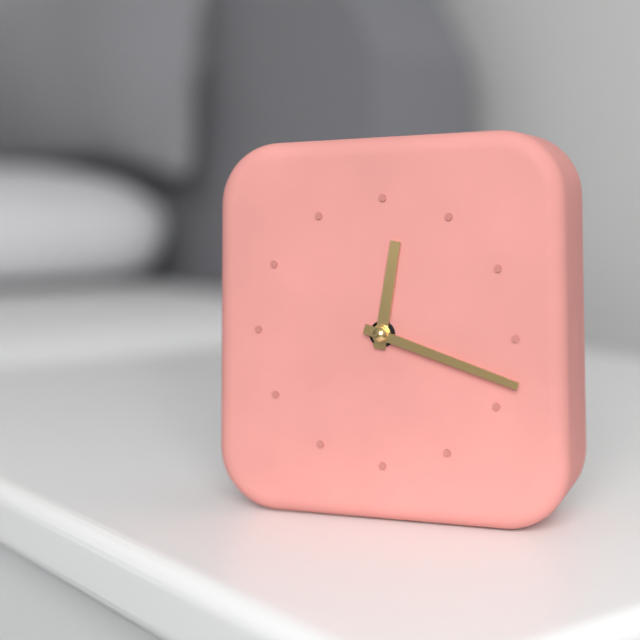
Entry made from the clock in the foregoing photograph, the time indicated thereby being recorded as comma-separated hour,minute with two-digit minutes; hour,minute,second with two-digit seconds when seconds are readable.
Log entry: 12,18
